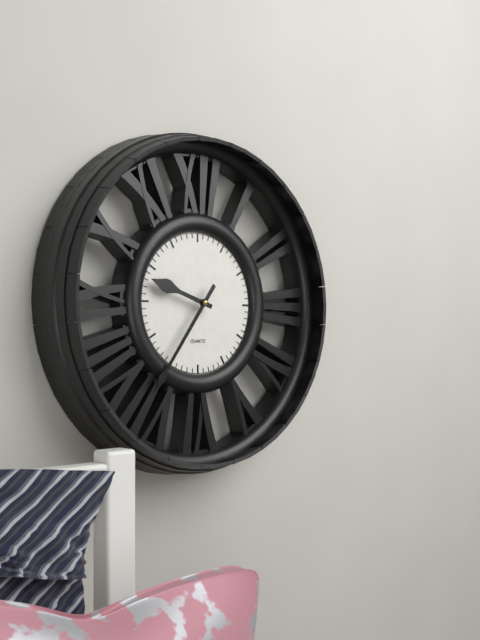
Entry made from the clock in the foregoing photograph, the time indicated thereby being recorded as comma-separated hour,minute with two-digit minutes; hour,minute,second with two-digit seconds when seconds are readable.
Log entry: 9,36
